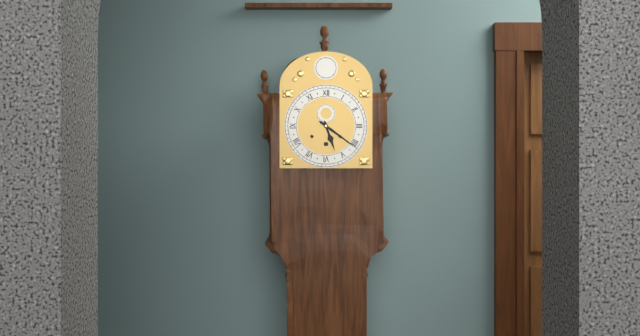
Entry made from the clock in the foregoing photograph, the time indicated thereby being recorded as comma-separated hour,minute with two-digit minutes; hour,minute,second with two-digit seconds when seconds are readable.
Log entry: 5,21
